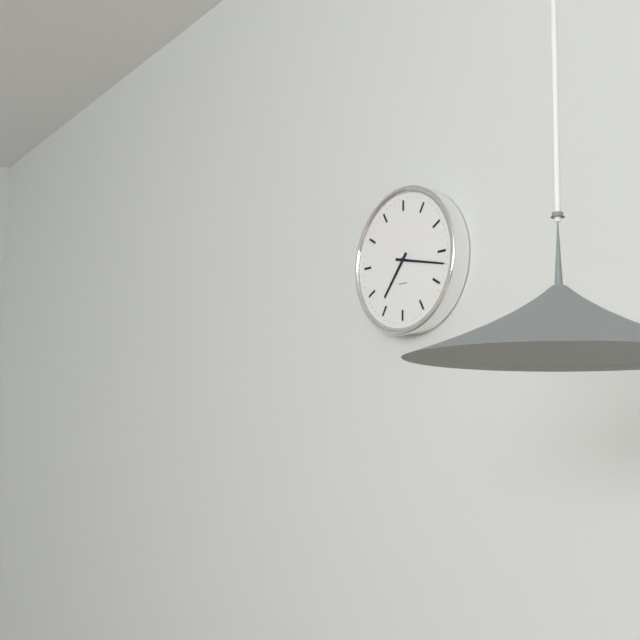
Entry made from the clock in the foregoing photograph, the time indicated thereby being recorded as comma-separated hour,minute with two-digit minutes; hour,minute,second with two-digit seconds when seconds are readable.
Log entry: 7,17
